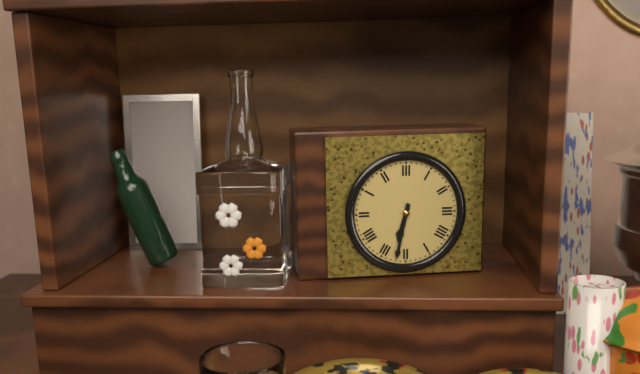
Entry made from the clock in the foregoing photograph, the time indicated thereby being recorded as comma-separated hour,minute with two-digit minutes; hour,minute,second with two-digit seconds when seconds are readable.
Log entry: 6,32
